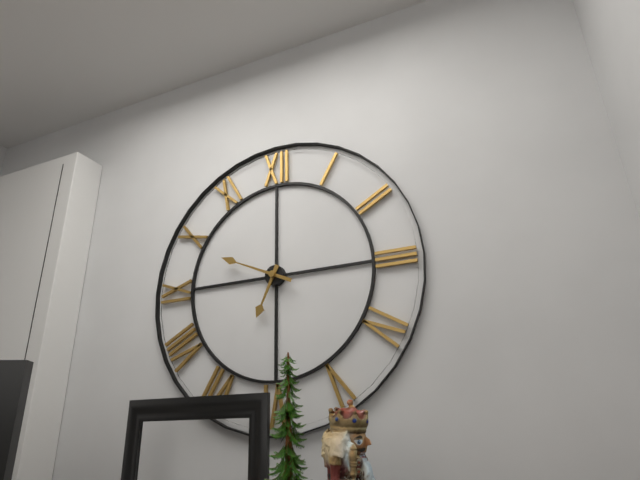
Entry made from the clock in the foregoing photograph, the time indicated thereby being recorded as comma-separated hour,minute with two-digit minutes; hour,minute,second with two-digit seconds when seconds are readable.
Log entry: 6,49
